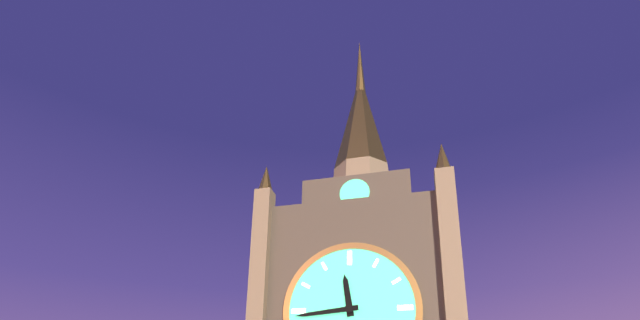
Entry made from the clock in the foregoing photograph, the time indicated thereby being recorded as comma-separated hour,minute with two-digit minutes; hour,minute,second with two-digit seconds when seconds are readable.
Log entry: 11,44
